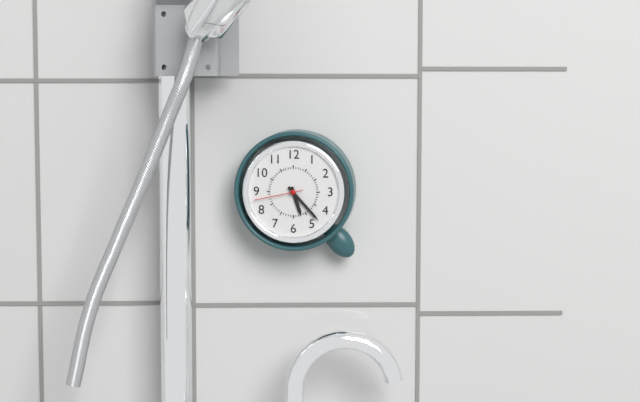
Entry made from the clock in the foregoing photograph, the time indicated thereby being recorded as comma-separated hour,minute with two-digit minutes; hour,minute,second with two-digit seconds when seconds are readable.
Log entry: 5,23,43
